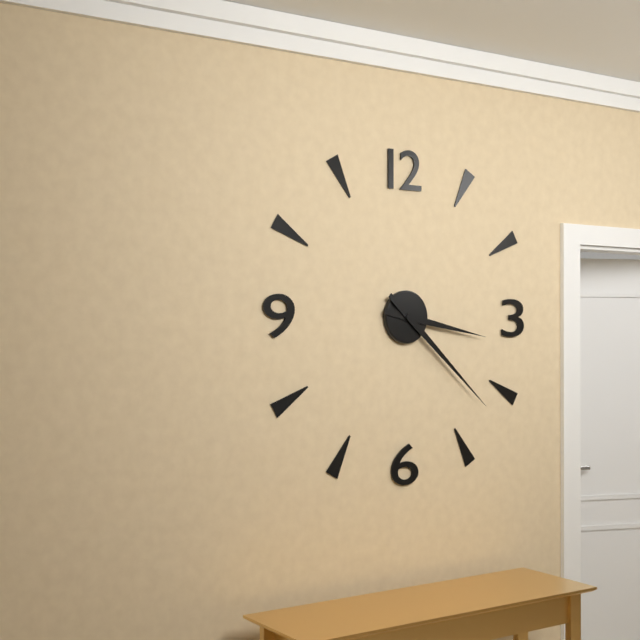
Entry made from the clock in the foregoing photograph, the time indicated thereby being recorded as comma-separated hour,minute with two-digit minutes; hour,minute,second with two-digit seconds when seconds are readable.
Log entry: 3,22
